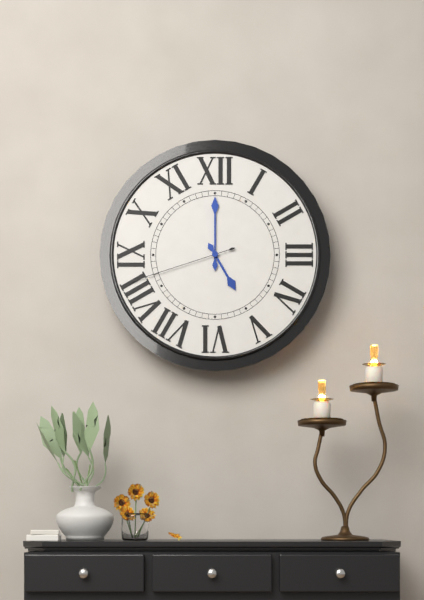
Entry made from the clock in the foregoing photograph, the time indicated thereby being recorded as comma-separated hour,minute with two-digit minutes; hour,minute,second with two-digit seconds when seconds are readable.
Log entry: 5,00,42
